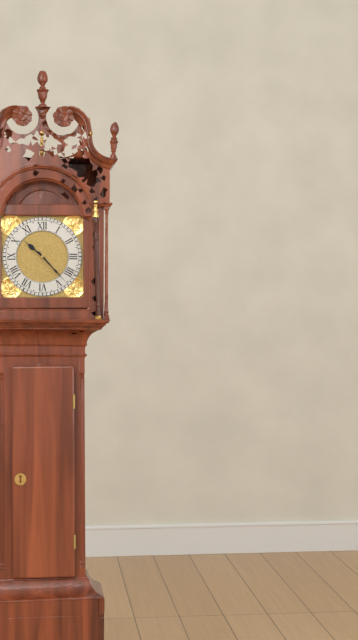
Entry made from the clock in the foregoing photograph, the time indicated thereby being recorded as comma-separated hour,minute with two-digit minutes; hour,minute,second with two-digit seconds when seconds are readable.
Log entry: 10,23
